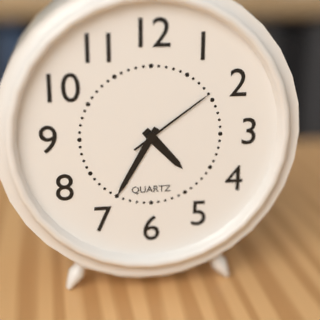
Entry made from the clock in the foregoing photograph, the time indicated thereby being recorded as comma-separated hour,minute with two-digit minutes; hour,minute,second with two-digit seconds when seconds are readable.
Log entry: 4,35,09
